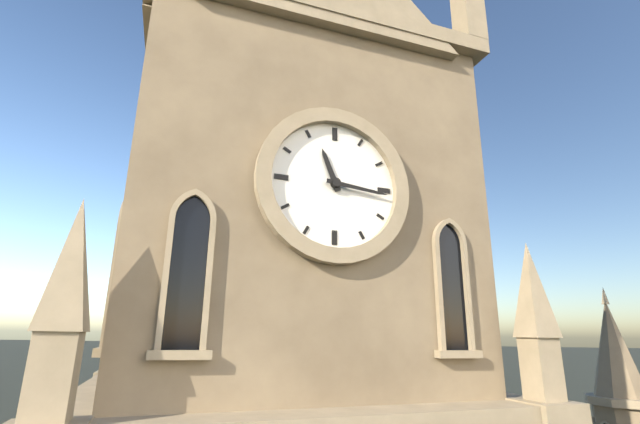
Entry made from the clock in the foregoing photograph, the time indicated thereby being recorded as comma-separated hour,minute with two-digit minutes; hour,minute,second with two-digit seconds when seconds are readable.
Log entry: 11,16
